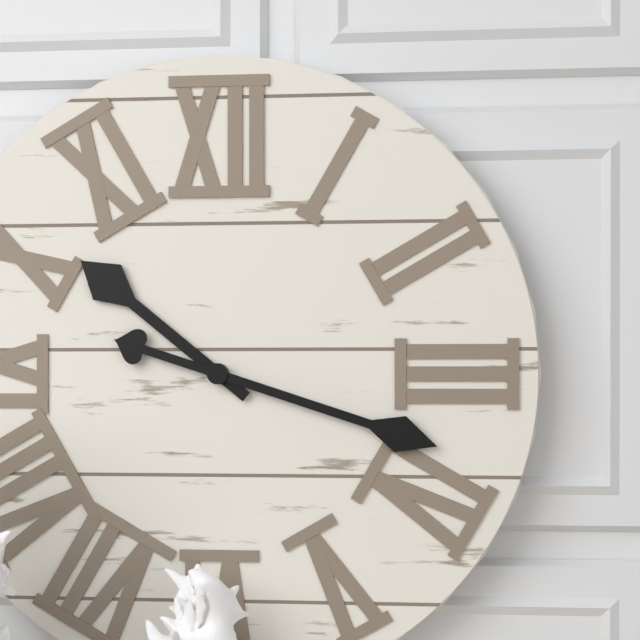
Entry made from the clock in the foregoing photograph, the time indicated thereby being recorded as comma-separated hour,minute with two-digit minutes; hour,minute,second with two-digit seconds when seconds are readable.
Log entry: 10,18
